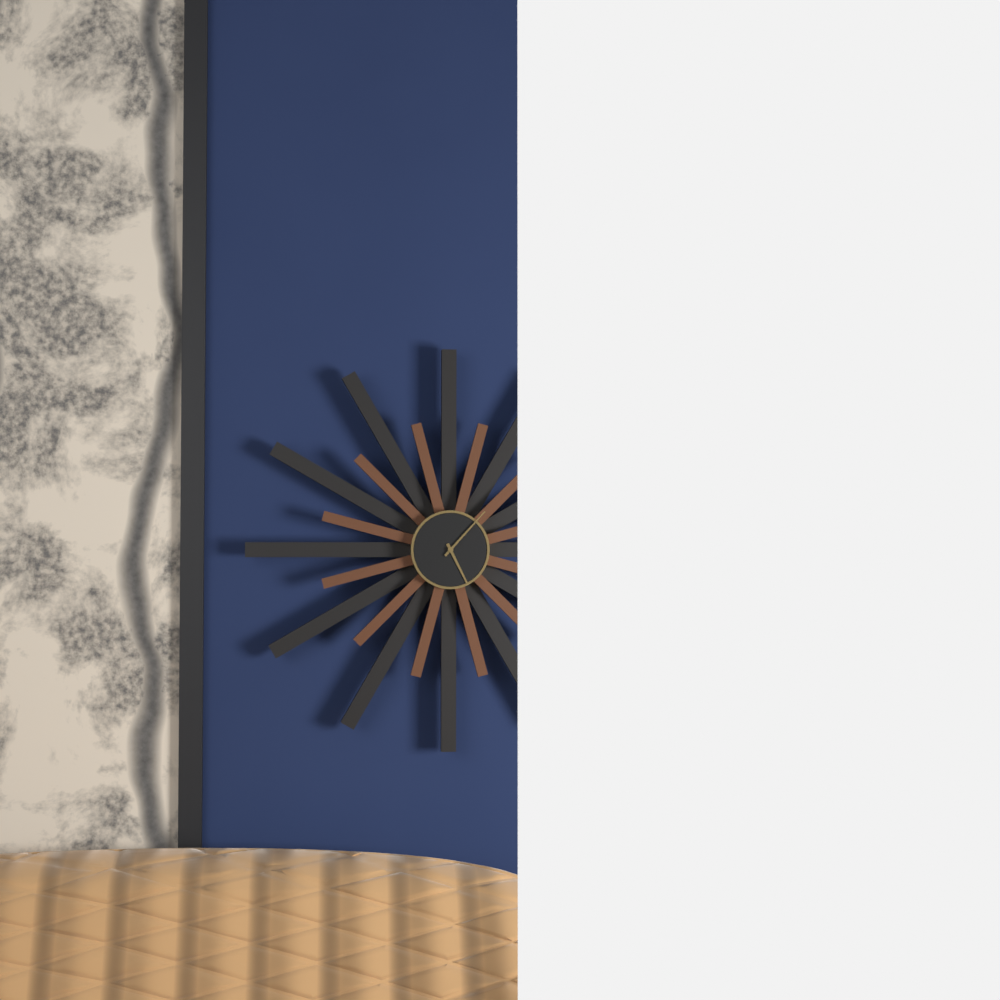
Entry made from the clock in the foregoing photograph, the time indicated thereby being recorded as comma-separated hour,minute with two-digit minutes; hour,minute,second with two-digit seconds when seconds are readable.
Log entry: 5,07
